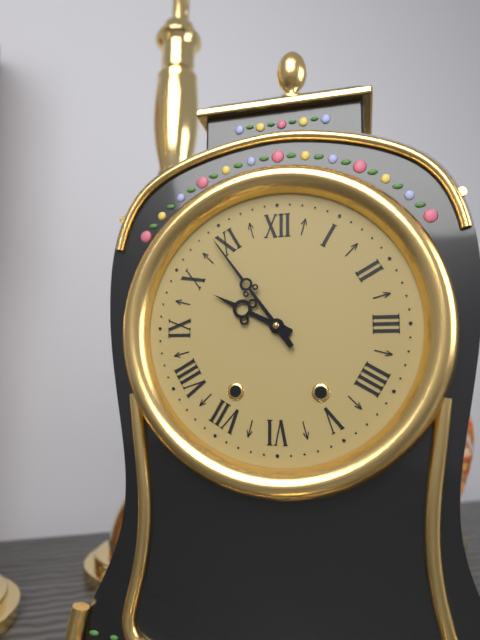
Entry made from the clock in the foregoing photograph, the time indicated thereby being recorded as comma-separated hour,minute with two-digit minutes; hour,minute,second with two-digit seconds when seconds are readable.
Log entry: 9,54
